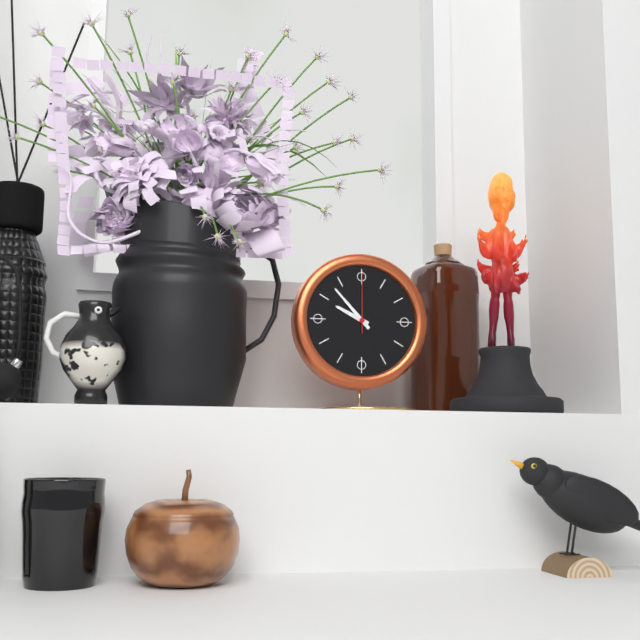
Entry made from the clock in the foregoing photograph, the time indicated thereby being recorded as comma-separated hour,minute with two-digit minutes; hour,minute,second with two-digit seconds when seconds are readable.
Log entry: 9,53,00
